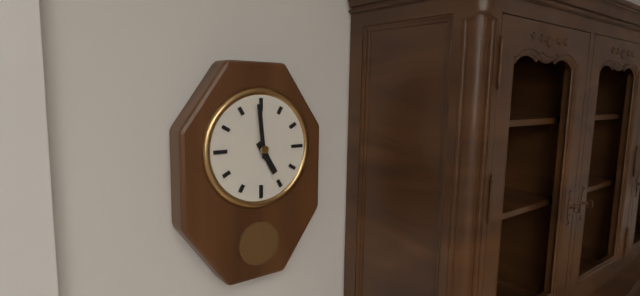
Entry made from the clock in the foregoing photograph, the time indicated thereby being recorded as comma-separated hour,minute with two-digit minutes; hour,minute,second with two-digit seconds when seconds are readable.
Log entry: 4,59
